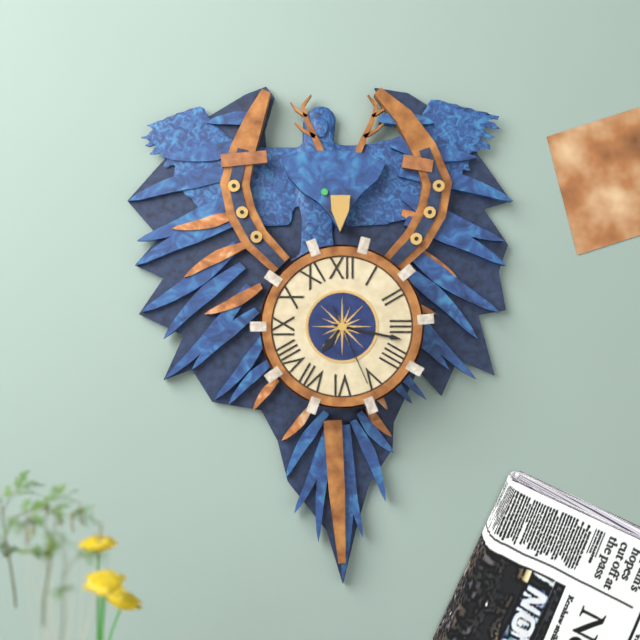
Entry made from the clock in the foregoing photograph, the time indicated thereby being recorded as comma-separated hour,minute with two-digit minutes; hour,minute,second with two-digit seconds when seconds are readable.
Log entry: 7,17,26
